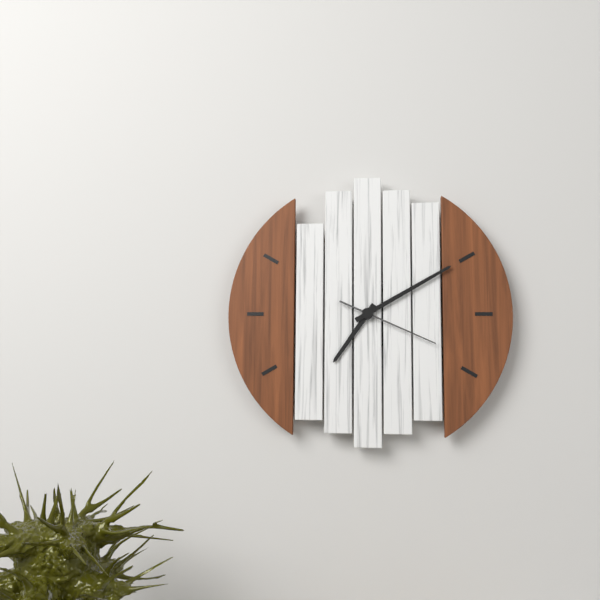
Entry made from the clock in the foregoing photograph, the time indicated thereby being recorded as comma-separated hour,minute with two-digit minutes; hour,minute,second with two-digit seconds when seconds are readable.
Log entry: 7,10,19
